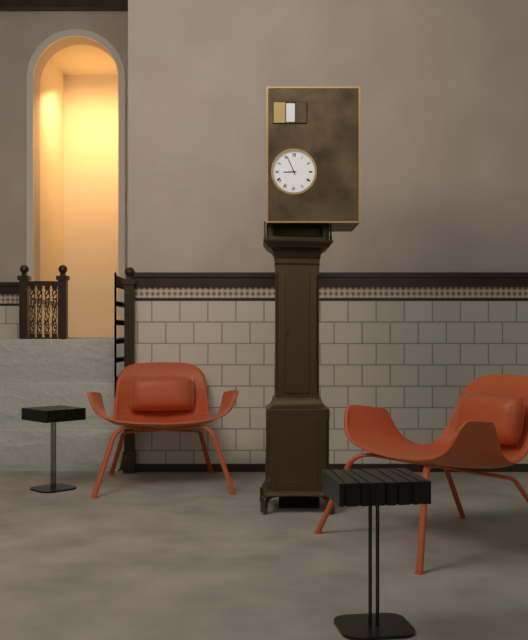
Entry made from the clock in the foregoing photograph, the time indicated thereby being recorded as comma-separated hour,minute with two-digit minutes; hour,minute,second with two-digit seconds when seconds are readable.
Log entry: 8,56
